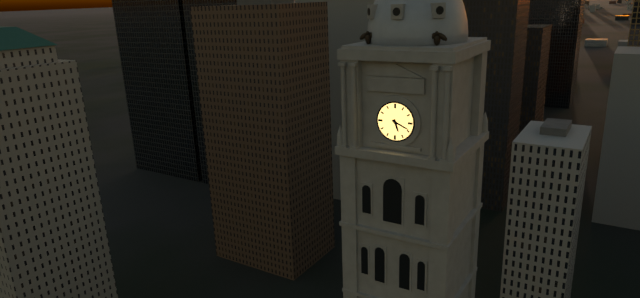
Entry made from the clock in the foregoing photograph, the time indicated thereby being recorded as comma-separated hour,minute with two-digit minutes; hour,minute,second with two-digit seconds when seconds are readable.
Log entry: 5,19
